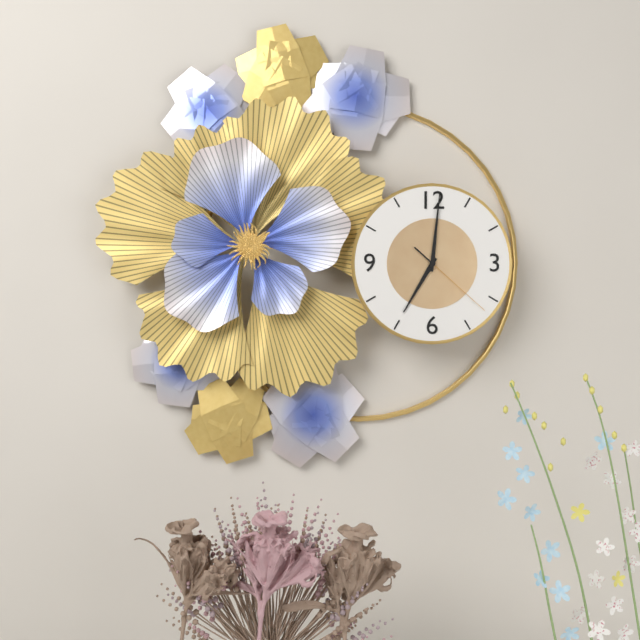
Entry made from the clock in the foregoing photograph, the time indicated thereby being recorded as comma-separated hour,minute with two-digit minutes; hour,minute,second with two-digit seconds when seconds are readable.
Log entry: 7,01,22
